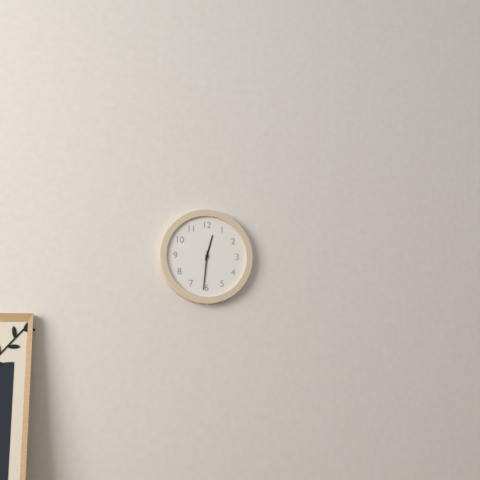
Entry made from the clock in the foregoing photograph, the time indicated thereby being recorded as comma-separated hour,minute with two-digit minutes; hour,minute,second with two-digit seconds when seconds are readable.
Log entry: 12,31
